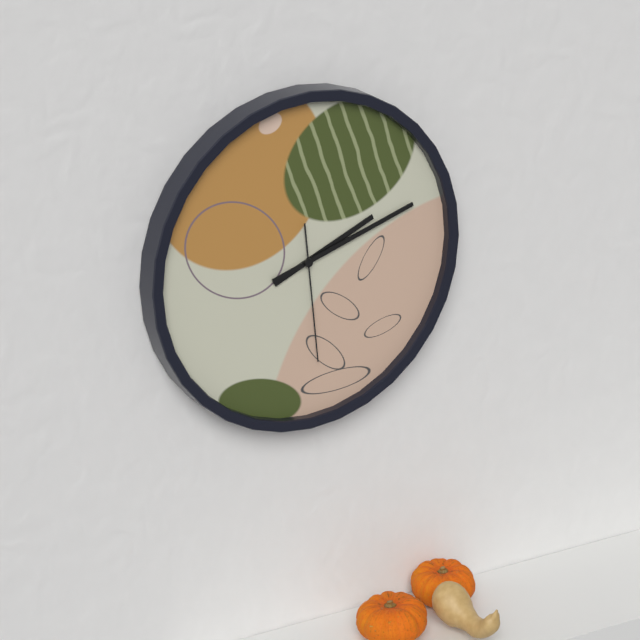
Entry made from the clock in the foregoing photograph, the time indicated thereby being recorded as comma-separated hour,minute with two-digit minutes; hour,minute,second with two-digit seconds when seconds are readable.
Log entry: 2,12,29
